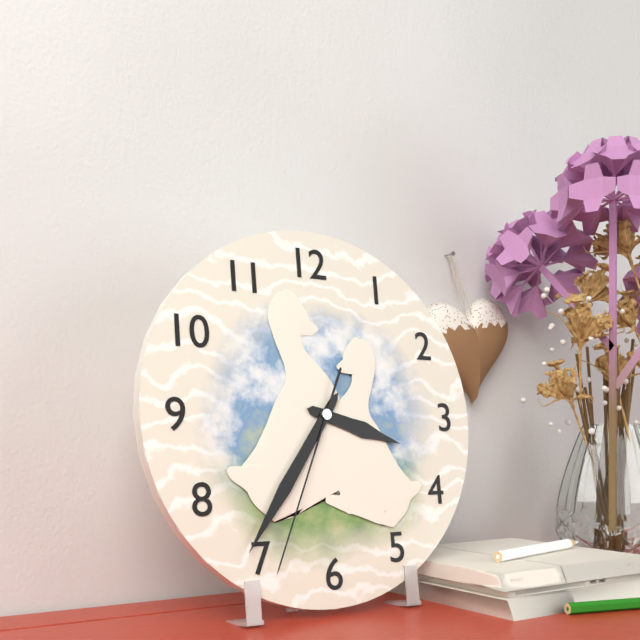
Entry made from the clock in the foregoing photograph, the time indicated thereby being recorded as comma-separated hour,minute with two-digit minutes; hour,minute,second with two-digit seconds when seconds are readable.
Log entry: 3,36,34
